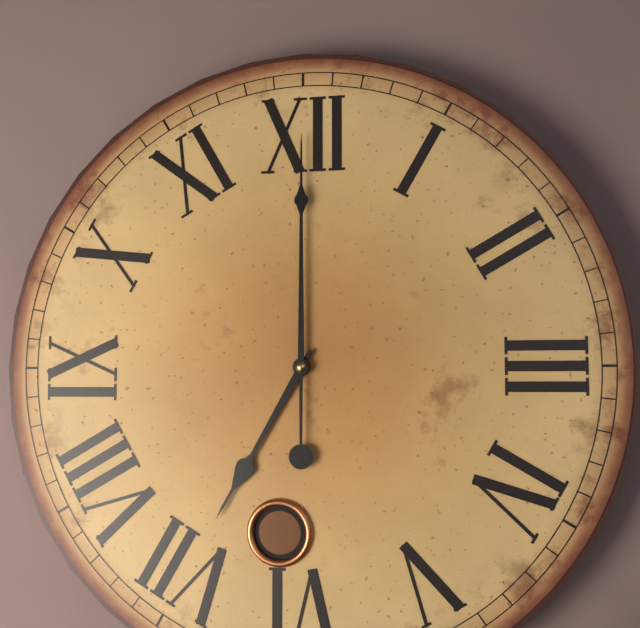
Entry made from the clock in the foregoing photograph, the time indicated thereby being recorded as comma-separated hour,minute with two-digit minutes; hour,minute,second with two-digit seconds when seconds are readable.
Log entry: 7,00
